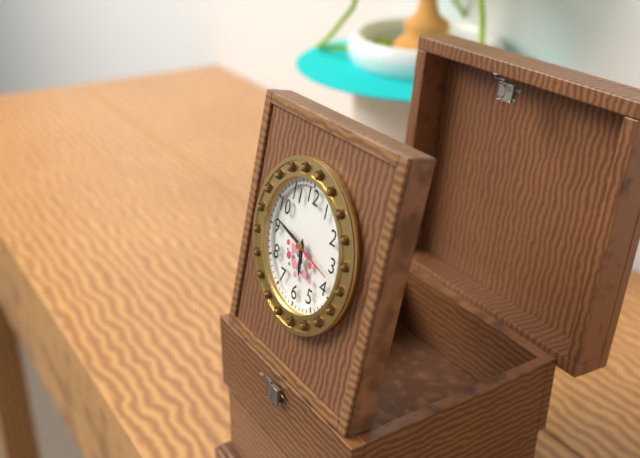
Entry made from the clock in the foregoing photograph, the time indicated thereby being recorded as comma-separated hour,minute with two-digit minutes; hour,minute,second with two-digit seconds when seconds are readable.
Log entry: 5,47,17
